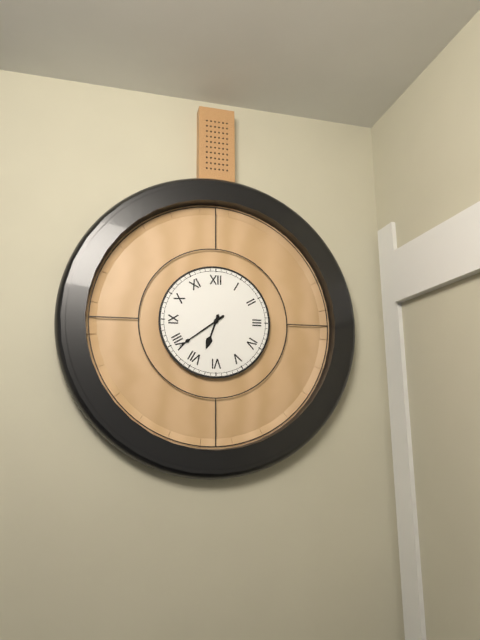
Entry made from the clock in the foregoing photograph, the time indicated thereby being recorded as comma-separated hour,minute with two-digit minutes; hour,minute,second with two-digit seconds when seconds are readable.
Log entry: 6,39
